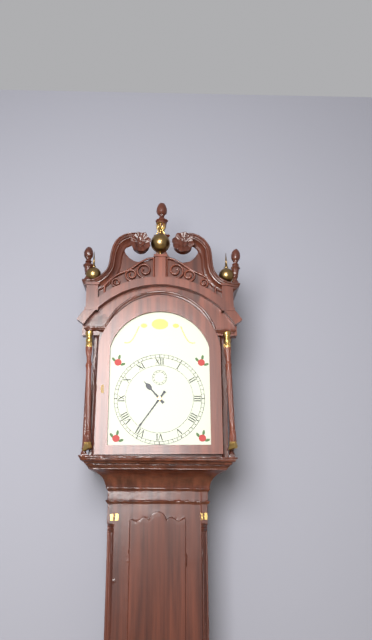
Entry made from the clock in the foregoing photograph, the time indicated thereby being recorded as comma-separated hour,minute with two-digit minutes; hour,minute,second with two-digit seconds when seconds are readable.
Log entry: 10,36
